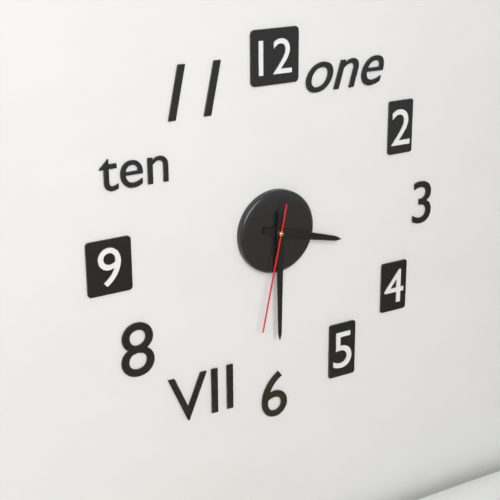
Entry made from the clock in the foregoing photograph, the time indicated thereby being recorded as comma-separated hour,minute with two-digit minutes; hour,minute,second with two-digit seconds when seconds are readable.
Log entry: 3,30,32
